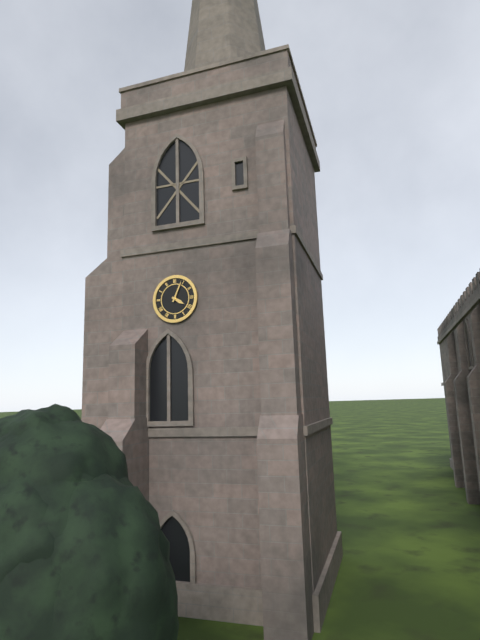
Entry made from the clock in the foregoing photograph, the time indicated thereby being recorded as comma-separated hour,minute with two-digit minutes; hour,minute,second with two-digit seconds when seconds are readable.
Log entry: 4,04
